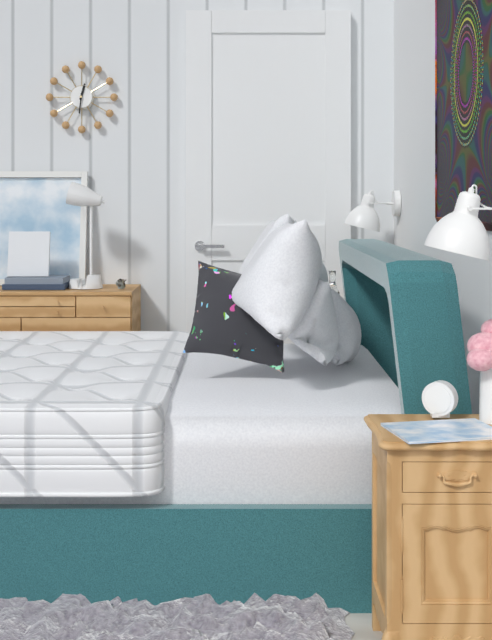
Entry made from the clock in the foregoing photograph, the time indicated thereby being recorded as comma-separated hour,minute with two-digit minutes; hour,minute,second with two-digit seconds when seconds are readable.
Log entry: 12,31
